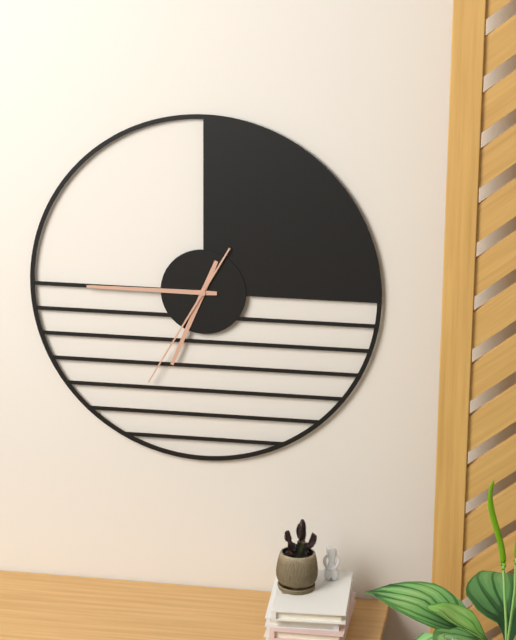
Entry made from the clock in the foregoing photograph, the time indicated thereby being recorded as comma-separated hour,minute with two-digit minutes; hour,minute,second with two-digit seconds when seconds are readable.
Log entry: 6,45,35
